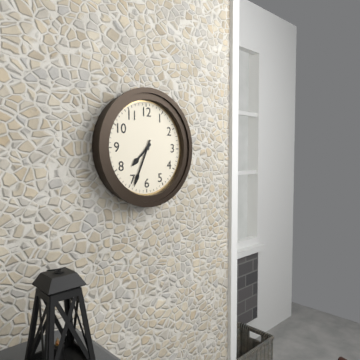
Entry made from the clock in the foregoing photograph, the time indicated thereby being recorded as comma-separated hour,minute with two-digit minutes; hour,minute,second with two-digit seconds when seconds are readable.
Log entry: 7,34
